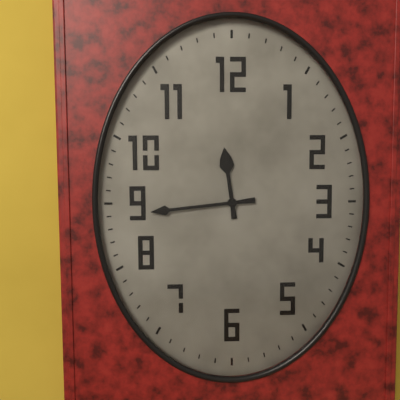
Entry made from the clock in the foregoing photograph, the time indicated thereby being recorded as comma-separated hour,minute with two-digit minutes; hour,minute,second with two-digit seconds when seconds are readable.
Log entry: 11,44
